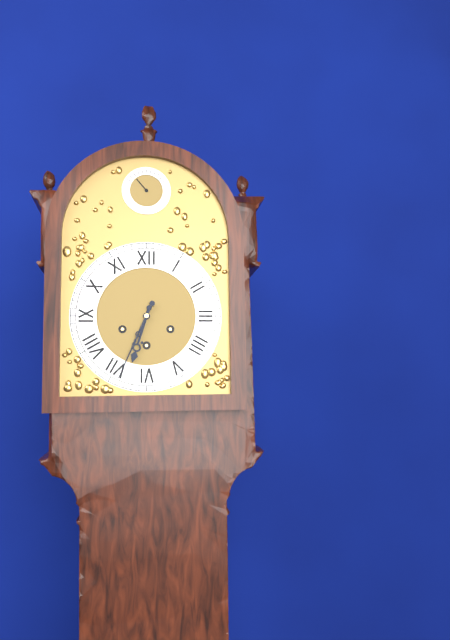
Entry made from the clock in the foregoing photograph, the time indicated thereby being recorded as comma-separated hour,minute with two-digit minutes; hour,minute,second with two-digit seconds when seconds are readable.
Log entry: 6,34
